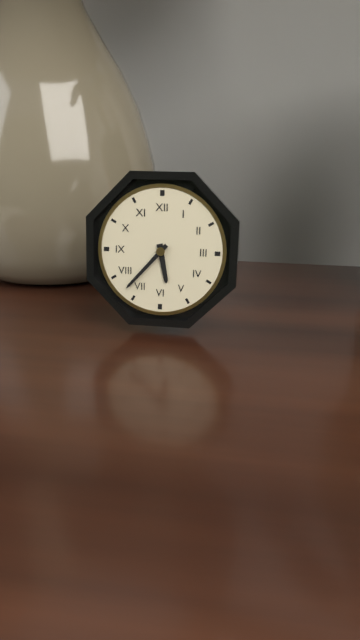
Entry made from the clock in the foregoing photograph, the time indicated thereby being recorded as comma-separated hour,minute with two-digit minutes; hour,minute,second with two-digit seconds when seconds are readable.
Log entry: 5,37
